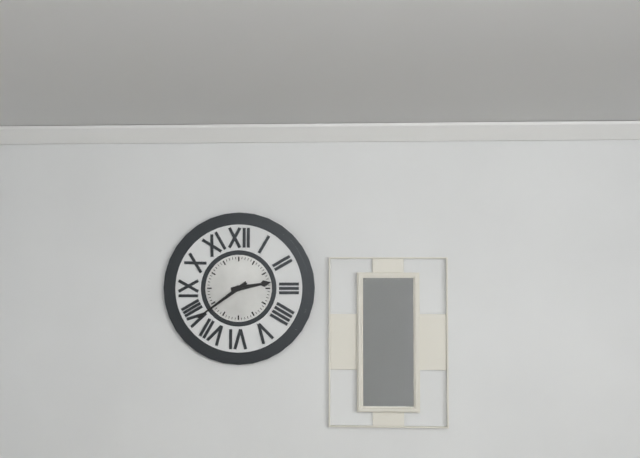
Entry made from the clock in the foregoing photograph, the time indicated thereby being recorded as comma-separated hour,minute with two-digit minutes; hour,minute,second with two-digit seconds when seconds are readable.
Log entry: 2,39
